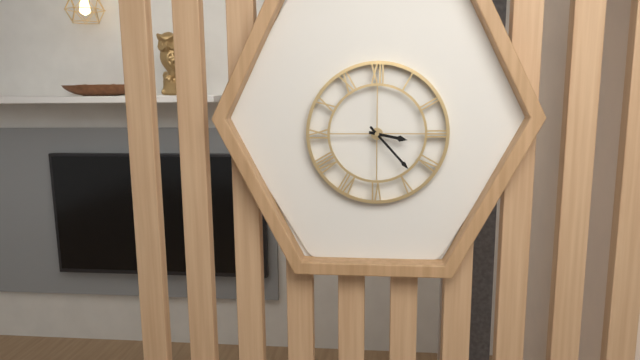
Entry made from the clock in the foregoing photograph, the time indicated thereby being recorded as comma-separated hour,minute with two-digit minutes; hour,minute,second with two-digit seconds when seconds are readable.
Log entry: 3,23
